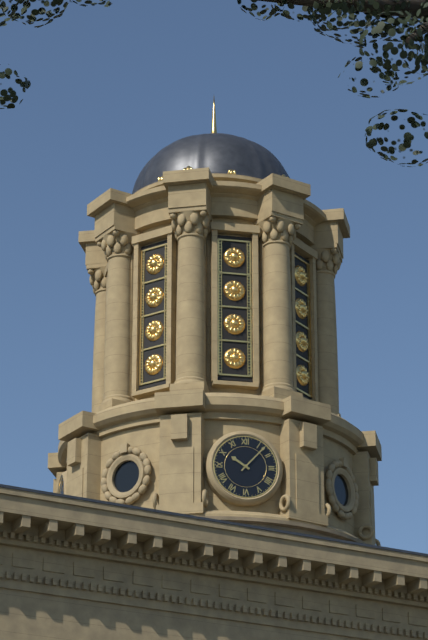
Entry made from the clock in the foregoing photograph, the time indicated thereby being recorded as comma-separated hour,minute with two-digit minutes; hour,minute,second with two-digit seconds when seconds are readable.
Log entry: 10,07
